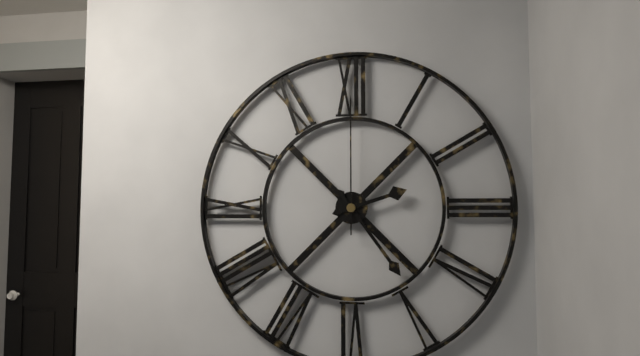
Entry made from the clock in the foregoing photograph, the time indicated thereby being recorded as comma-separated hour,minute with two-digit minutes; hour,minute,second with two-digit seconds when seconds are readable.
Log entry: 2,24,00
